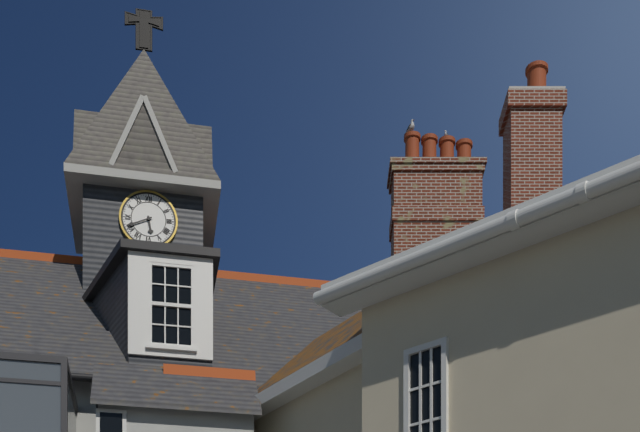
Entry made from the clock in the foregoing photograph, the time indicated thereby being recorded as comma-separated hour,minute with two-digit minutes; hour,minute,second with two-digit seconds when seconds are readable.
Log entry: 5,41
